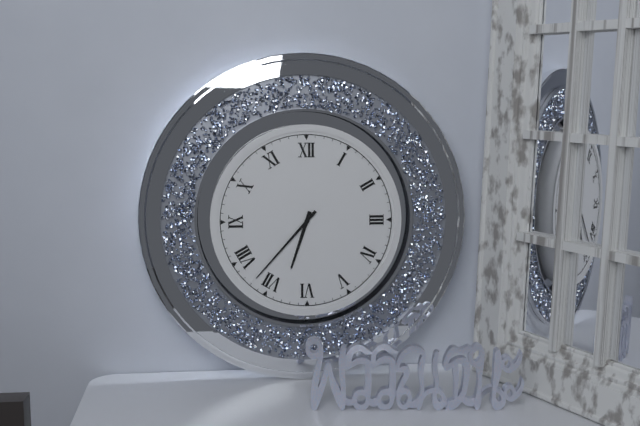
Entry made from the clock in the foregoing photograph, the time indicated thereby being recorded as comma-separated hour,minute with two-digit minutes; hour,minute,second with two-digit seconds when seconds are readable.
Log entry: 6,37
